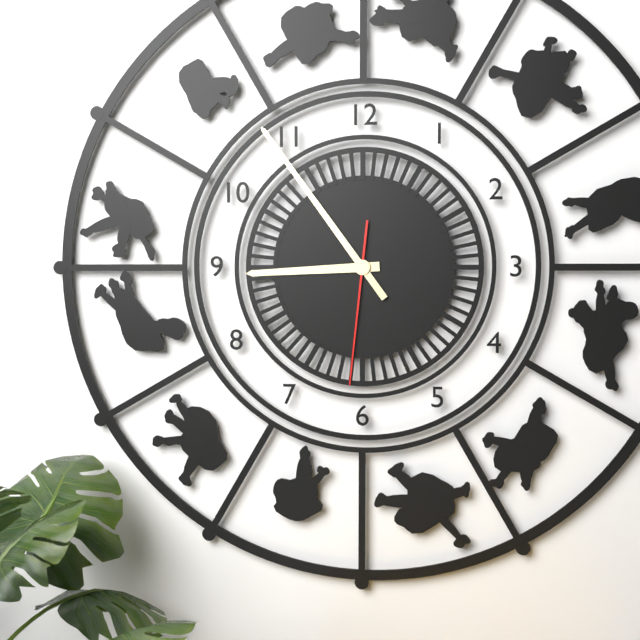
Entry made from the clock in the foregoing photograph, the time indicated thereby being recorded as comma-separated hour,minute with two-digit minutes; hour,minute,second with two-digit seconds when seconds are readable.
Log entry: 8,54,31
